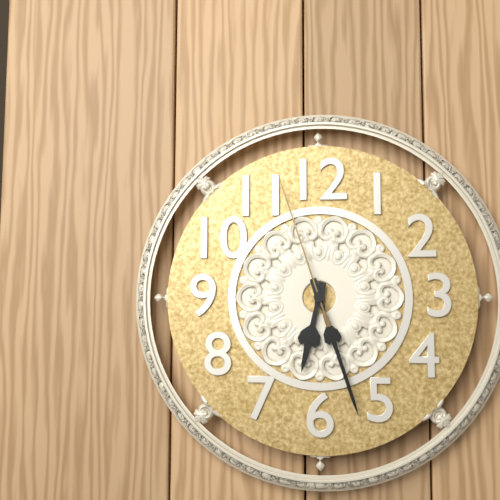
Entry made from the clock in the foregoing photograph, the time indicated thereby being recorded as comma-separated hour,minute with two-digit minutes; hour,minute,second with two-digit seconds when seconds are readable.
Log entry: 6,27,57
